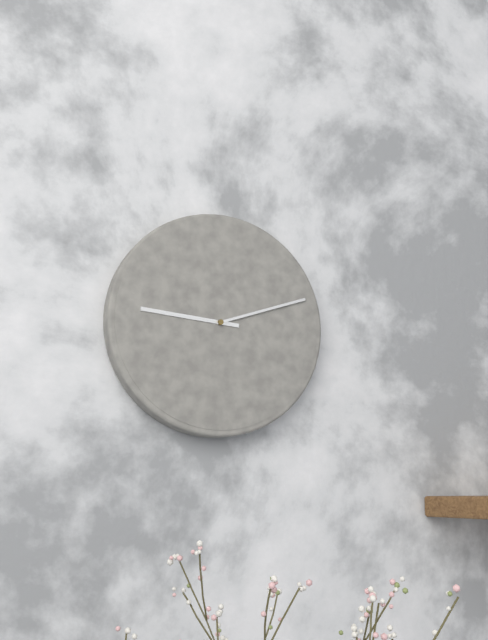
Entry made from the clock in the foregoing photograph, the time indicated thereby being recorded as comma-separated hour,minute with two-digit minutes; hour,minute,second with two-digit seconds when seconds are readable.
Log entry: 9,12
